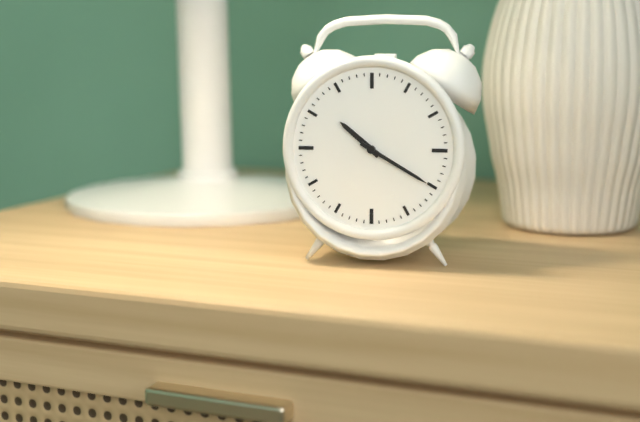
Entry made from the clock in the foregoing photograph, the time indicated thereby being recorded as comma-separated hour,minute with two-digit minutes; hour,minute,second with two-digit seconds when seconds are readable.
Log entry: 10,20
